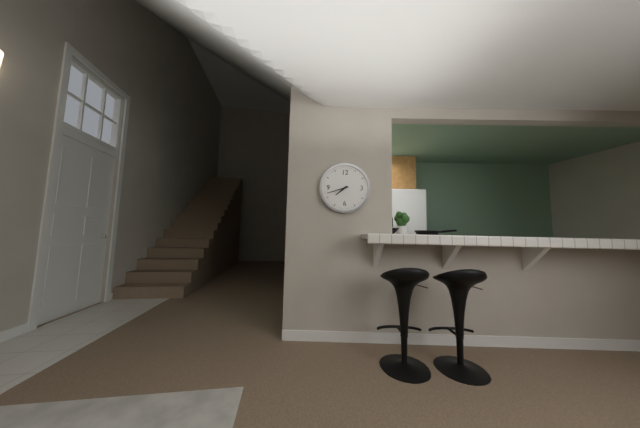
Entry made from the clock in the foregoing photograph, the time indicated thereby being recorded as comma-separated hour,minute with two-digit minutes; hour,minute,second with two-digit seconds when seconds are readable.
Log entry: 7,42
